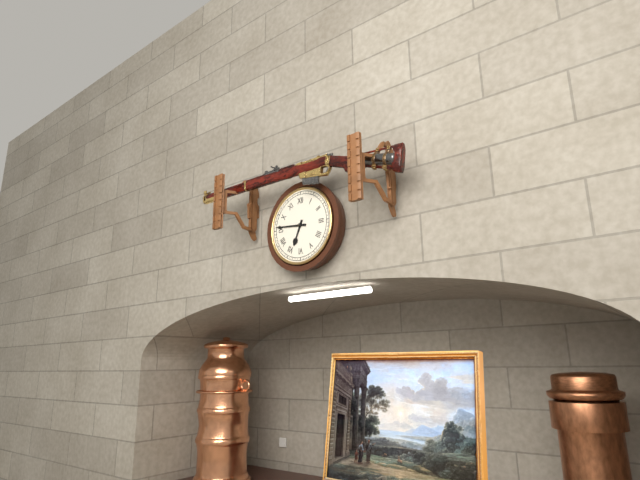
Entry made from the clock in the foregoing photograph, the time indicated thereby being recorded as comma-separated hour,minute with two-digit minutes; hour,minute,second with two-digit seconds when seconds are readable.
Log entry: 6,46
